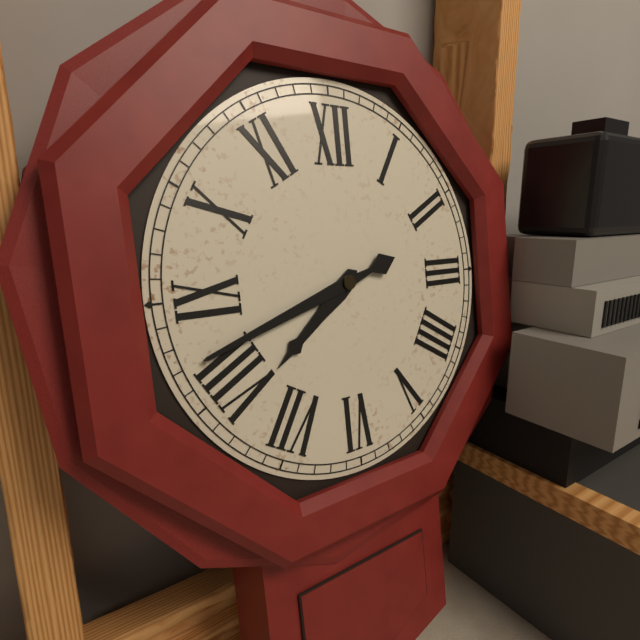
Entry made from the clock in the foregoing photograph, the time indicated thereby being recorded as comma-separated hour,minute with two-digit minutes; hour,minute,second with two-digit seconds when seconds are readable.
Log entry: 7,42
